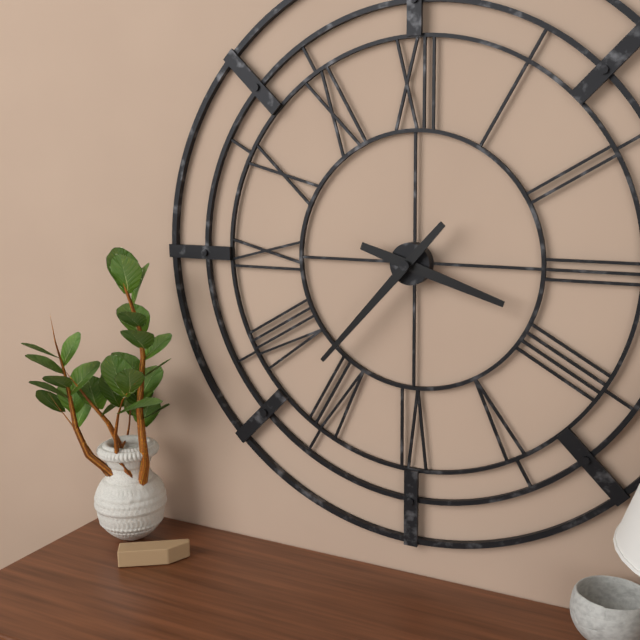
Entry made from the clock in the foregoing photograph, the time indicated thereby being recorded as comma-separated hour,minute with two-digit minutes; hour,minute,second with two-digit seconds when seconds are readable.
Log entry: 3,37
